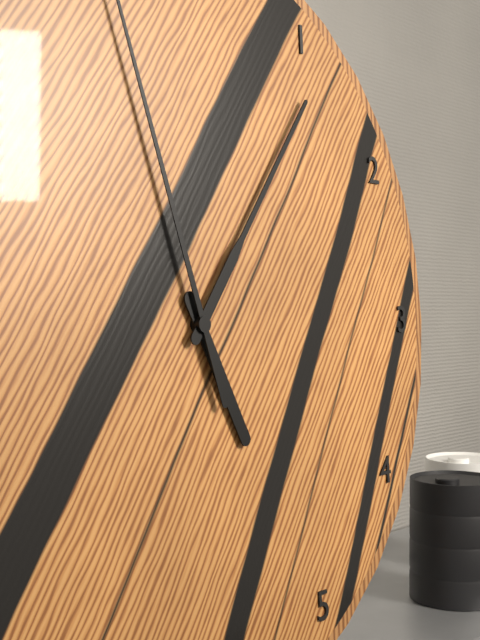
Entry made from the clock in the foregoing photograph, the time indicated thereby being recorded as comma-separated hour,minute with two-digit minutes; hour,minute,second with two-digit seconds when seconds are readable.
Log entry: 5,06
